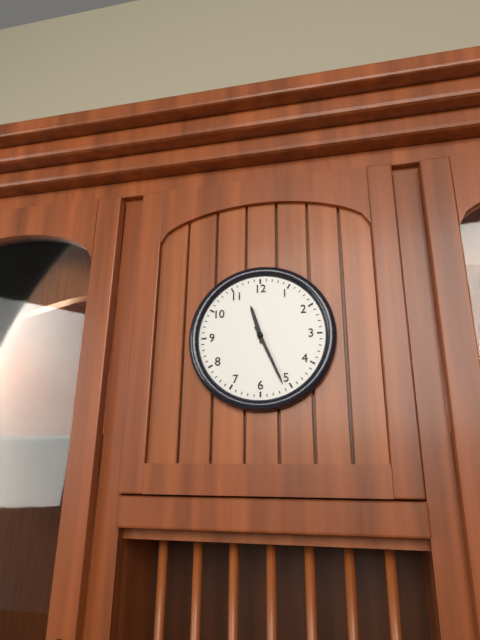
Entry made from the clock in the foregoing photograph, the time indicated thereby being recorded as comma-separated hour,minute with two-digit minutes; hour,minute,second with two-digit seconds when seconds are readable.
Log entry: 11,26
